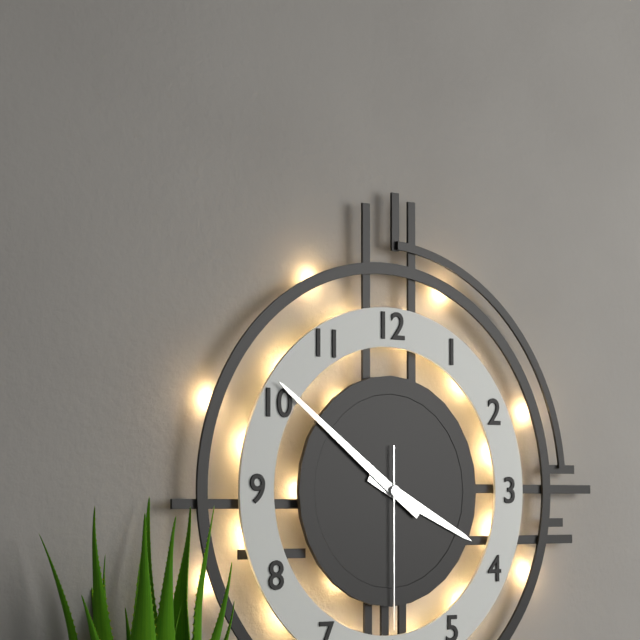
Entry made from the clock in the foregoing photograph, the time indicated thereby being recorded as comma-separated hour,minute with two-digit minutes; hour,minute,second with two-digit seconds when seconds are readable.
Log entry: 3,51,30
